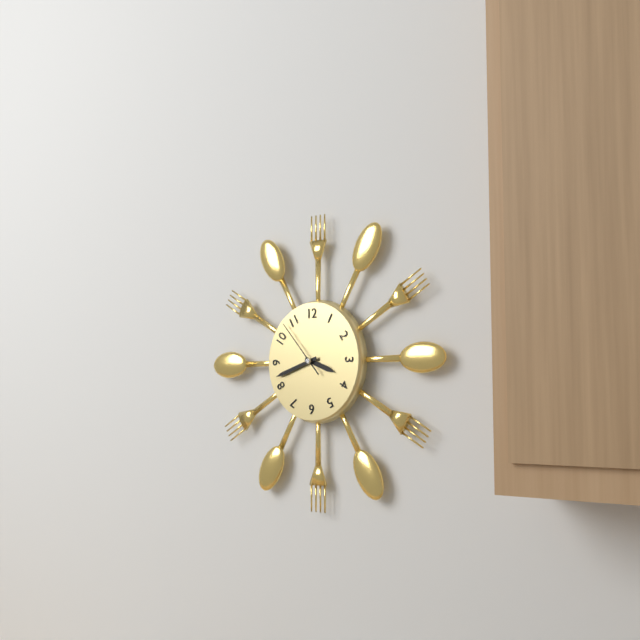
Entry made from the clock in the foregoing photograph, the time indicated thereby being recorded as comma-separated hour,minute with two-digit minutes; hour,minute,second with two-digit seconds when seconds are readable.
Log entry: 3,42,53
